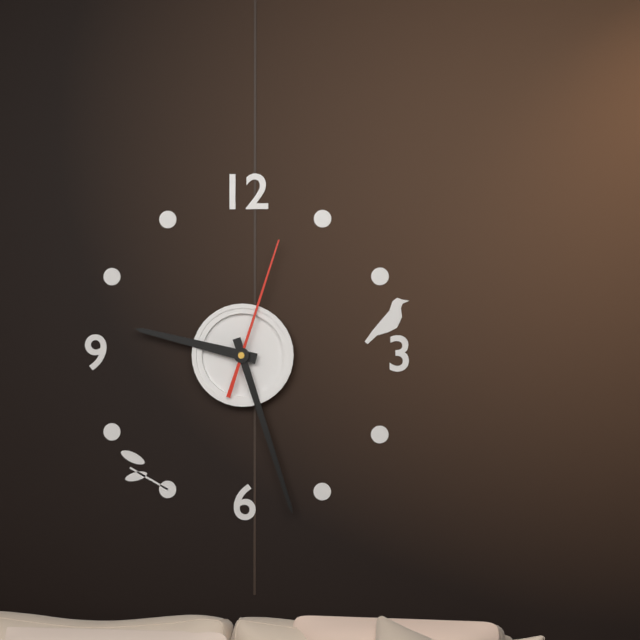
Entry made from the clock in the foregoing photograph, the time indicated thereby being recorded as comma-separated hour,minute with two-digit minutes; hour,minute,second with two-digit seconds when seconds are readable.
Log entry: 9,27,03
